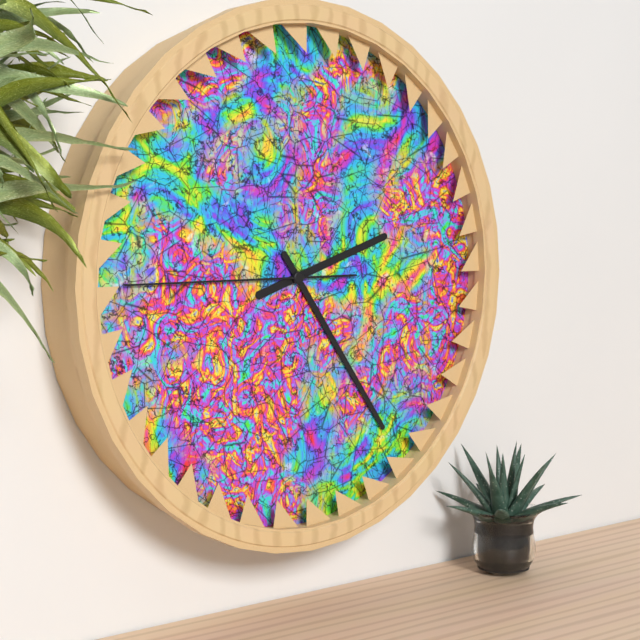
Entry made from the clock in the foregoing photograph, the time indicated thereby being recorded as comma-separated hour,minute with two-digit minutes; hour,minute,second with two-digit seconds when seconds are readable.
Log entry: 2,24,45
